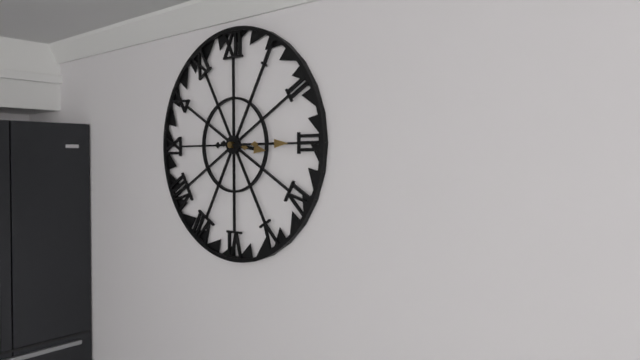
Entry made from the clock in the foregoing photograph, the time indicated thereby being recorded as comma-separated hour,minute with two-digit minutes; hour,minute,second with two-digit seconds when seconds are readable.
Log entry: 3,15
